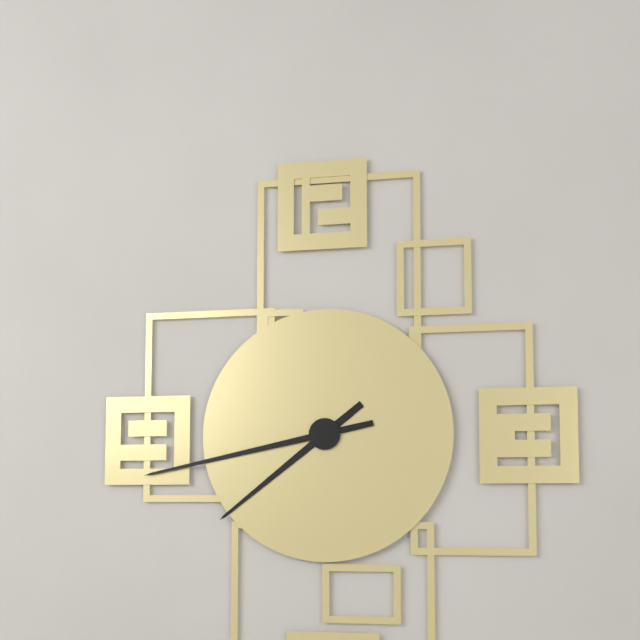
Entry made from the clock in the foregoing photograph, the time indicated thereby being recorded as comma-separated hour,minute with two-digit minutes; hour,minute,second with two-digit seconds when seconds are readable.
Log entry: 7,43
